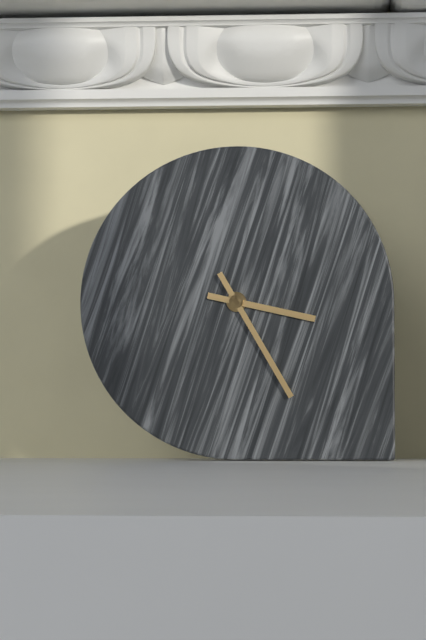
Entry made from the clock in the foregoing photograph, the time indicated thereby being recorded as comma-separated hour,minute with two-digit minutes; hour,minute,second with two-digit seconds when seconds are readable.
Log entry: 3,25
